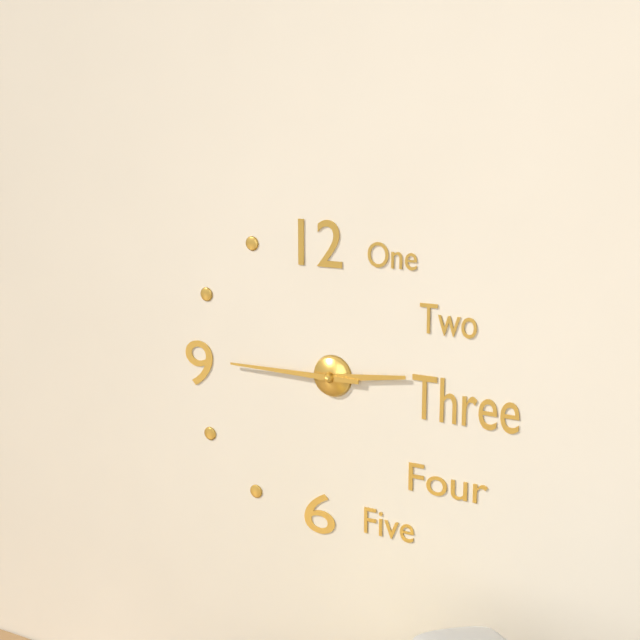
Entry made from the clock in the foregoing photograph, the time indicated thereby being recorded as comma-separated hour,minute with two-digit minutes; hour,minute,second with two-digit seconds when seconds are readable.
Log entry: 2,45
